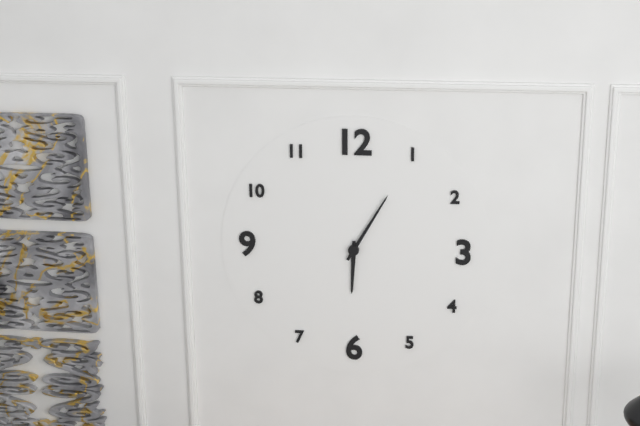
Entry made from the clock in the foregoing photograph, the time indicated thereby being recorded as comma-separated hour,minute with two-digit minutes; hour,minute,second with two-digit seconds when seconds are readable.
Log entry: 6,05
